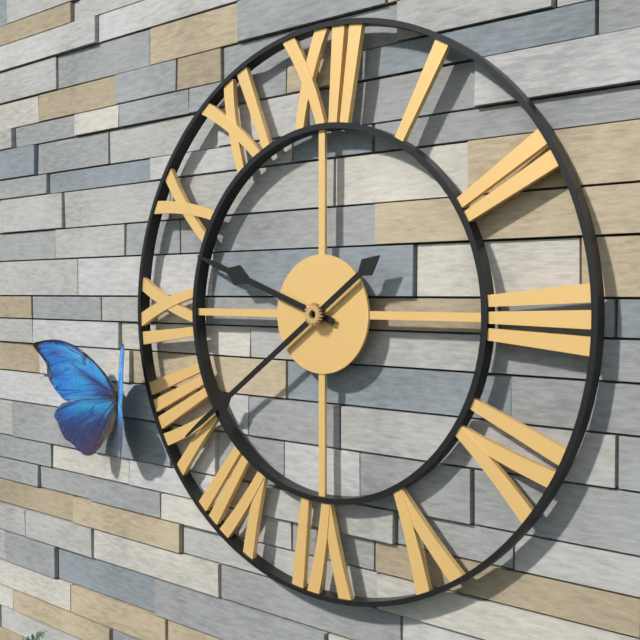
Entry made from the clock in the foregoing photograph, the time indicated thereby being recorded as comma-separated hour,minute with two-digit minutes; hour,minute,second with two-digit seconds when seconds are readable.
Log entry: 9,39
